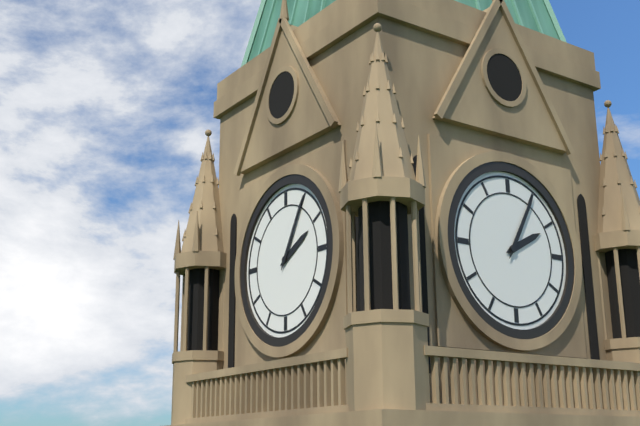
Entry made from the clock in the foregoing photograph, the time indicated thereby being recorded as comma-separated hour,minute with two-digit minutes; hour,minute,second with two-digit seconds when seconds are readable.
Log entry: 2,05
